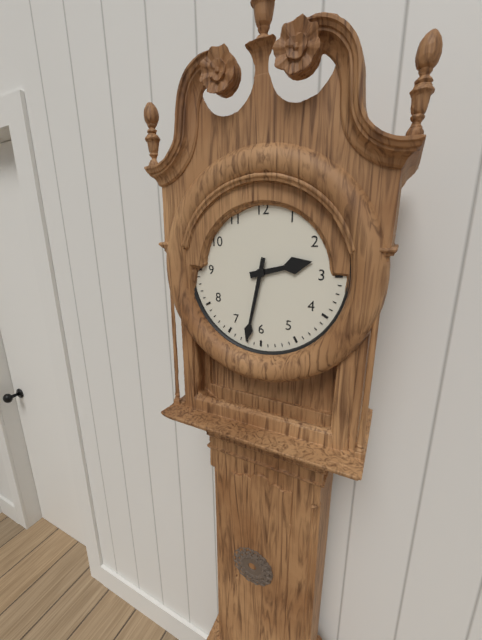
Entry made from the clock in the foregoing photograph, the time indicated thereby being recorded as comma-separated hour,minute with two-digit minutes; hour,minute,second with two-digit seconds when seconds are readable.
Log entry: 2,32
